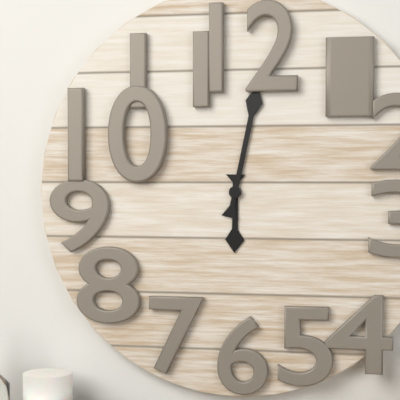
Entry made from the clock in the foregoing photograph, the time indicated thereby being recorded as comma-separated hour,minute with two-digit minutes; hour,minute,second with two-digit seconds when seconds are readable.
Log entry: 6,02
